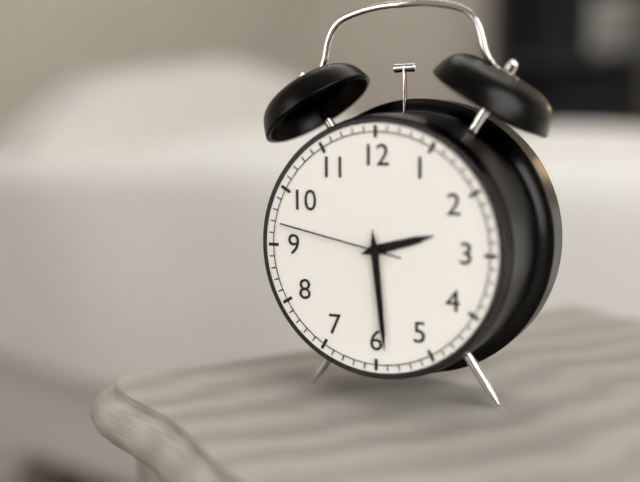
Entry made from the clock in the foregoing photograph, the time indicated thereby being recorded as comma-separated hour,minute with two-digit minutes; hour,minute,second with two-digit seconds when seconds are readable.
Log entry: 2,29,47
